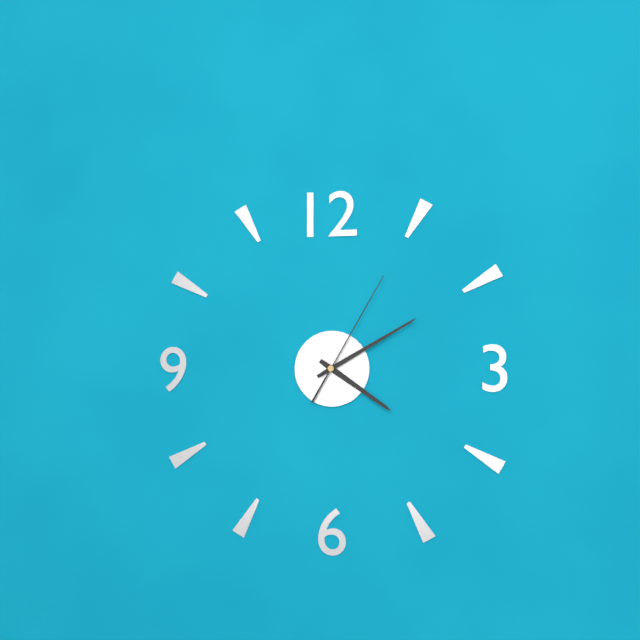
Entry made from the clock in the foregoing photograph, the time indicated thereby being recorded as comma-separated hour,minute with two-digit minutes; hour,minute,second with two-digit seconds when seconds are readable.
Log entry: 4,10,05
